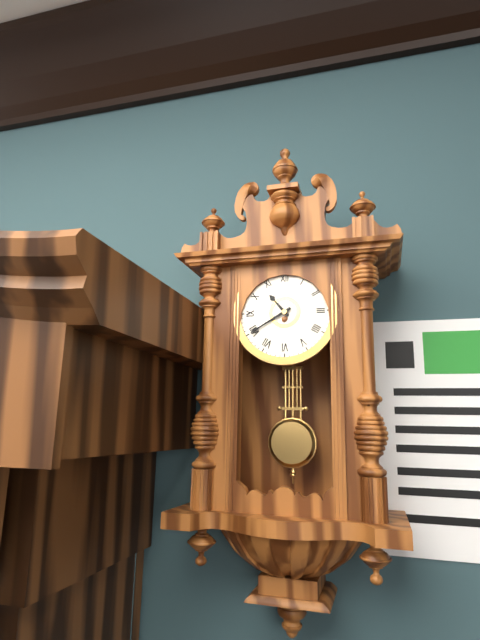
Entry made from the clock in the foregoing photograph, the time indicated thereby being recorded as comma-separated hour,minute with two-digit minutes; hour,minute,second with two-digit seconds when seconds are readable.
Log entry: 10,40
